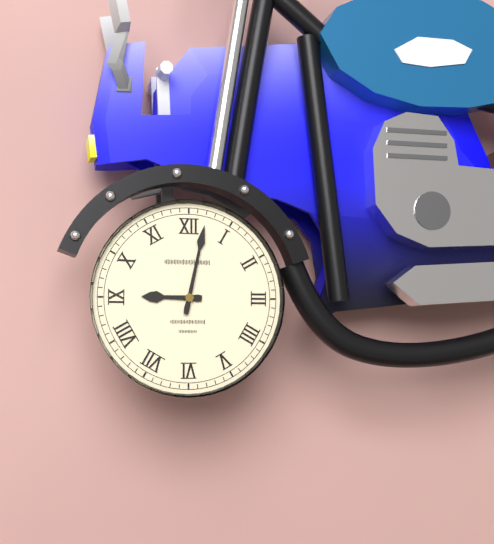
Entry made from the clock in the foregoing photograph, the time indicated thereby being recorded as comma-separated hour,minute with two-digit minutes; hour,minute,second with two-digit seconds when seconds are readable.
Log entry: 9,02
